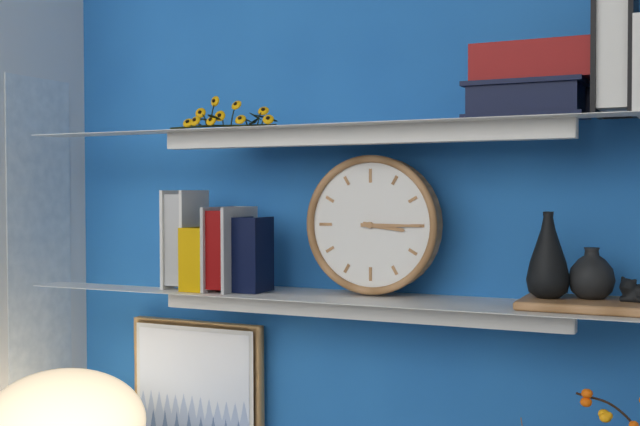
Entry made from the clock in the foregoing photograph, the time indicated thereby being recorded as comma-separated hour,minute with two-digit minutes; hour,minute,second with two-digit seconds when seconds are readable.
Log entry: 3,15
